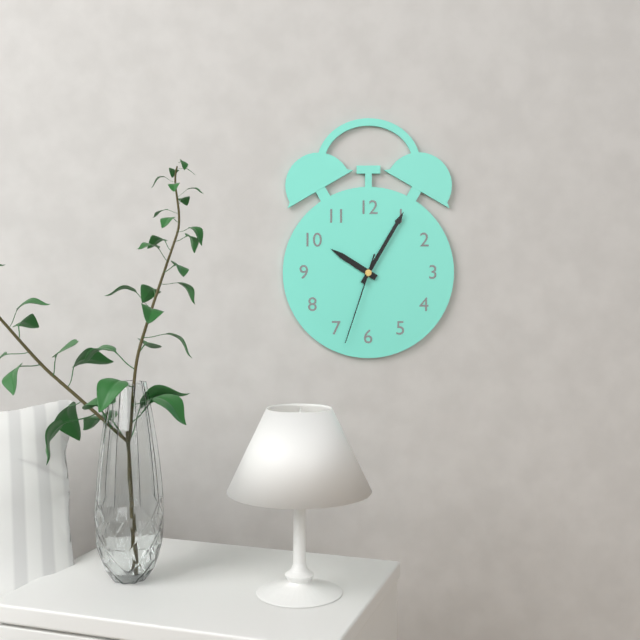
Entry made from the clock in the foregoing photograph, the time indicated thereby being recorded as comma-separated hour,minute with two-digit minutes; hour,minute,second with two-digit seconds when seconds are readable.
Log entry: 10,05,33
